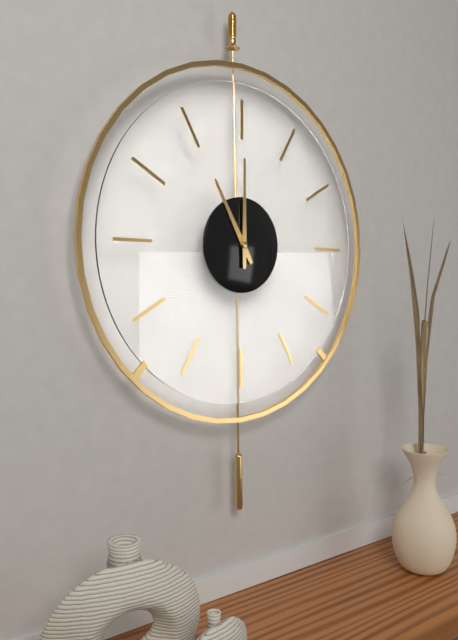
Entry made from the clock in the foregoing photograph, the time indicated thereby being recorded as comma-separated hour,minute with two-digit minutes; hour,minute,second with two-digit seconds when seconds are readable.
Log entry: 11,00
